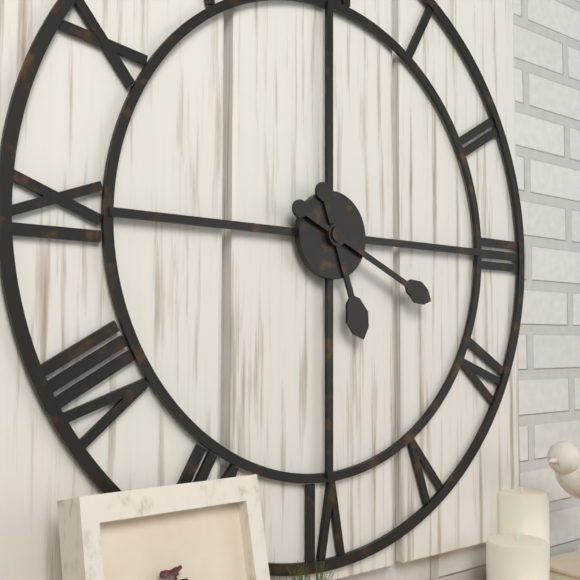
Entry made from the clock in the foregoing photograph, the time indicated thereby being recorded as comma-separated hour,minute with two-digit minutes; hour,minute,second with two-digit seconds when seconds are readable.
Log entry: 5,19
